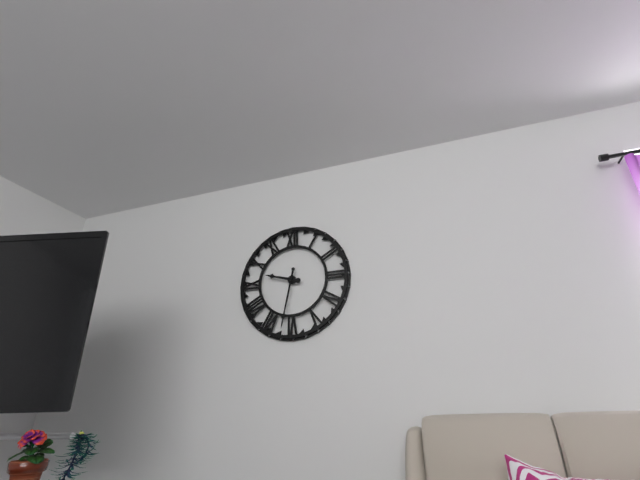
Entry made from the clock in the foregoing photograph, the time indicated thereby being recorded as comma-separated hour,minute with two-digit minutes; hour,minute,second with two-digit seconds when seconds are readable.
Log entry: 9,32
